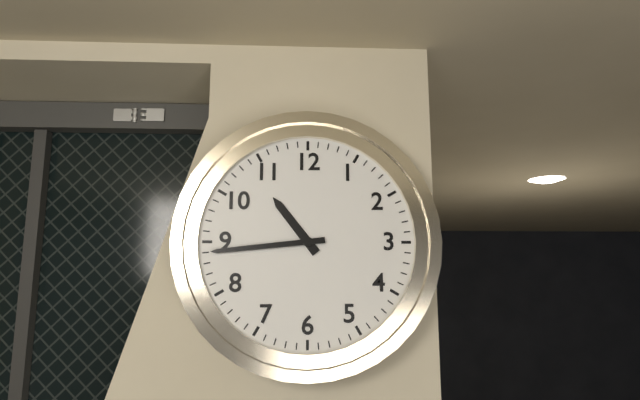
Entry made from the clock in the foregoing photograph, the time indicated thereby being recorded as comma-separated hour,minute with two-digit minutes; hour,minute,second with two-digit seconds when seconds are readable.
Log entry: 10,44
